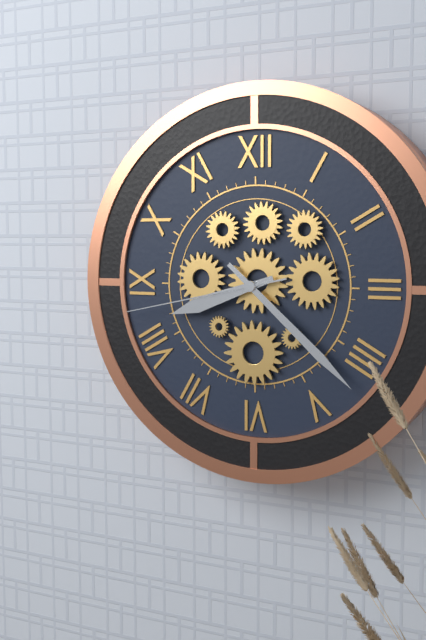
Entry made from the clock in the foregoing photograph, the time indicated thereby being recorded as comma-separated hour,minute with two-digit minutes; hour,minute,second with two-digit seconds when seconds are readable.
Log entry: 8,22,43
